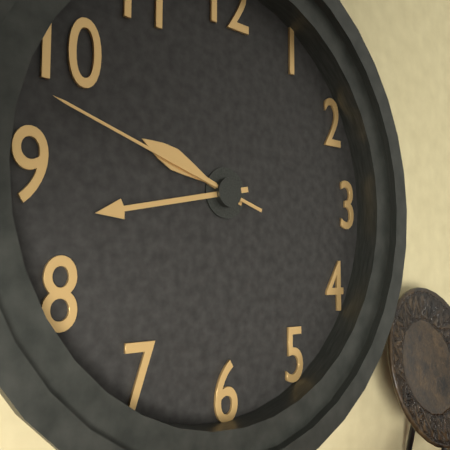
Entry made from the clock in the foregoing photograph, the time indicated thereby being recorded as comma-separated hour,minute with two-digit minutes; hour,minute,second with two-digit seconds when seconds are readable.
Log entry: 9,43,48
